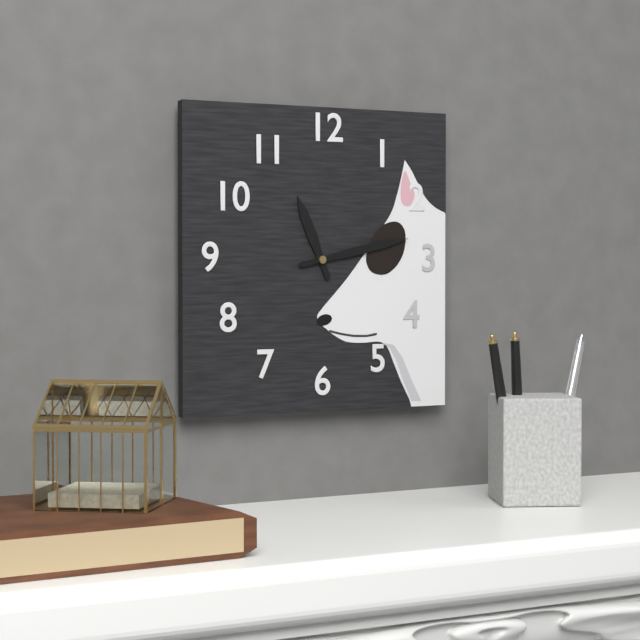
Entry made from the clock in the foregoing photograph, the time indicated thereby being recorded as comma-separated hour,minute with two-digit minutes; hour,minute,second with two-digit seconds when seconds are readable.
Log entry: 11,13
